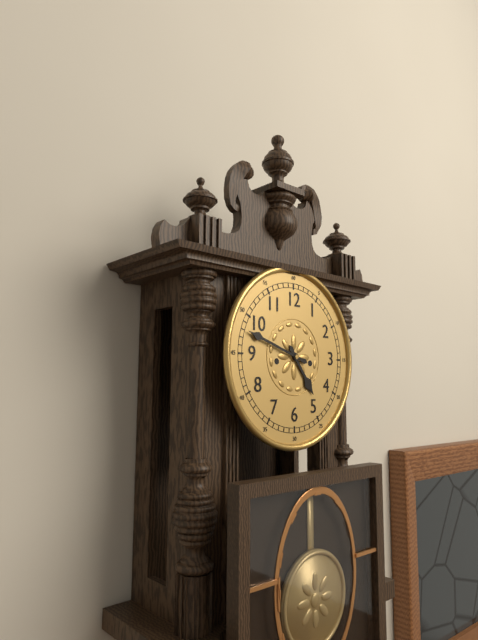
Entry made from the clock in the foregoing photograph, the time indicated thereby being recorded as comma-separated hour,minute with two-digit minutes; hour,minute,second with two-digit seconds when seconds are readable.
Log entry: 4,48
